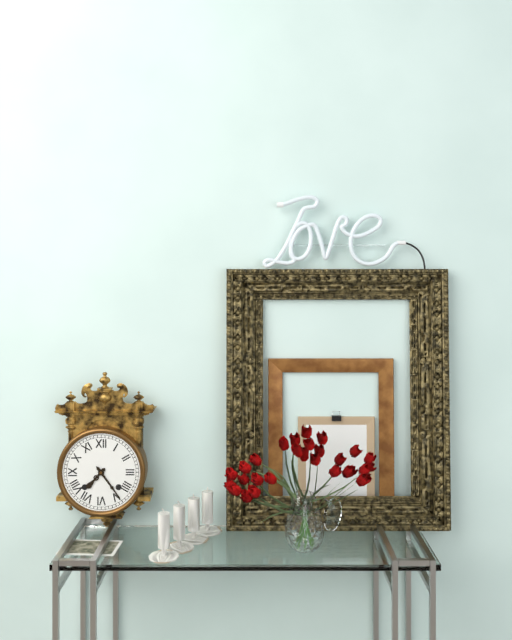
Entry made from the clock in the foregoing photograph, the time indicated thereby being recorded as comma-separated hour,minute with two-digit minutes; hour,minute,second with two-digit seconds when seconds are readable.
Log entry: 7,24
